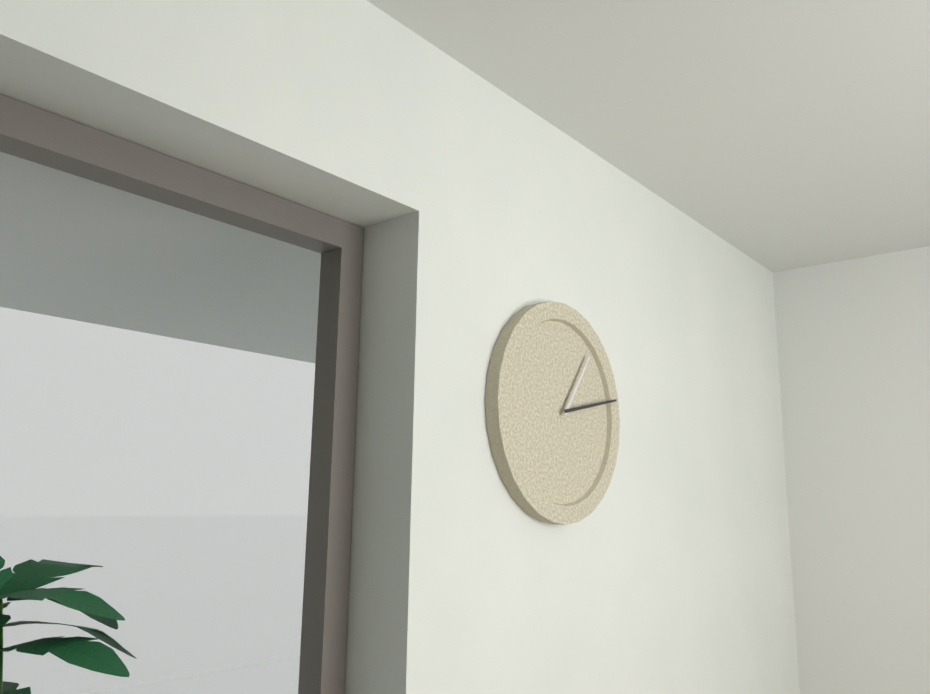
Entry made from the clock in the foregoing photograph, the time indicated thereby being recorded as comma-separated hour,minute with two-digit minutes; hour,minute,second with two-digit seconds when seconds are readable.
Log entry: 1,13
